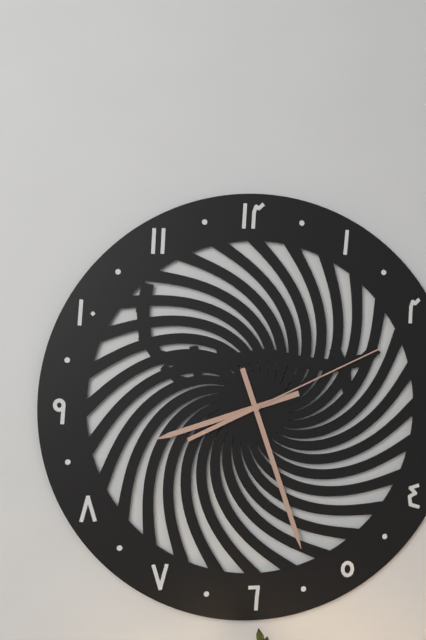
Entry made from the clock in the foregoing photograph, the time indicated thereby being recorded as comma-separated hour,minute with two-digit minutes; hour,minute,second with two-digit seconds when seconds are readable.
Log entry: 8,27,11
